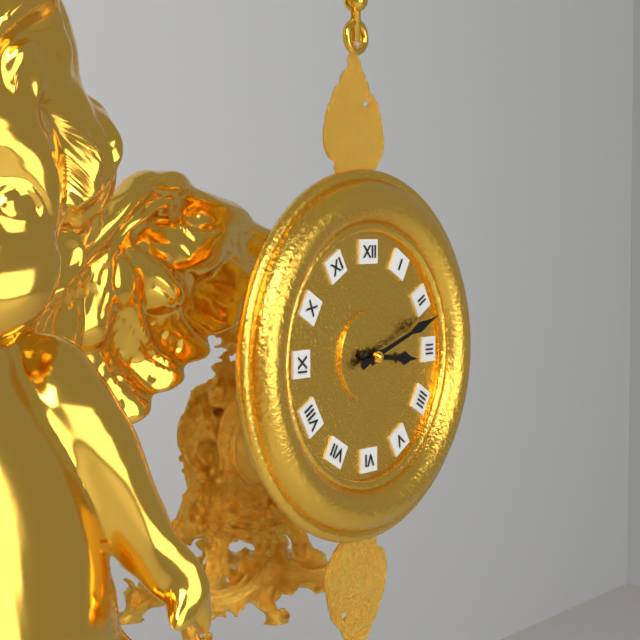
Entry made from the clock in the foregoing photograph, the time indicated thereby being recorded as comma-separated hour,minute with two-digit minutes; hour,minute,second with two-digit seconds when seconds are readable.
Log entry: 3,12
